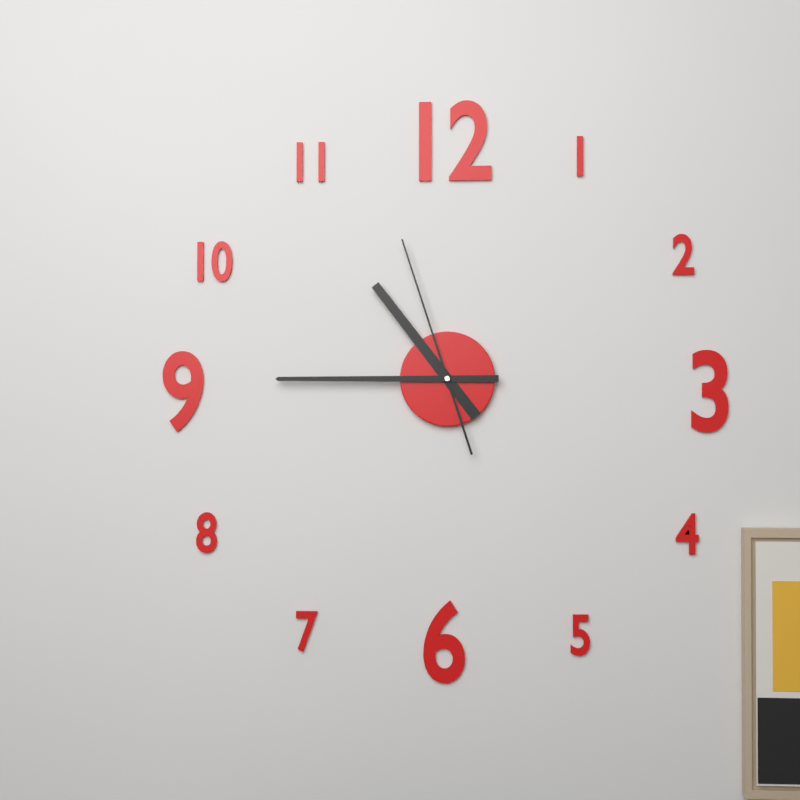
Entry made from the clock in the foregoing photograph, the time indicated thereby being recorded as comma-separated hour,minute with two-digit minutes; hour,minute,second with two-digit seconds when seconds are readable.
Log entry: 10,45,57
